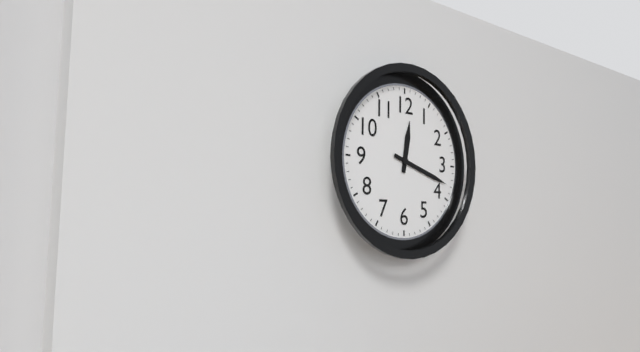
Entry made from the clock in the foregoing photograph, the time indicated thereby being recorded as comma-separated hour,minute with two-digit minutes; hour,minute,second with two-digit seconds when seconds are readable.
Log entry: 12,18
